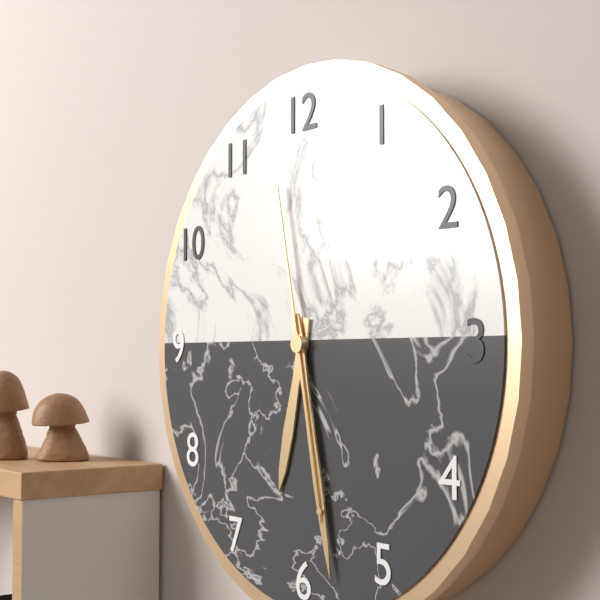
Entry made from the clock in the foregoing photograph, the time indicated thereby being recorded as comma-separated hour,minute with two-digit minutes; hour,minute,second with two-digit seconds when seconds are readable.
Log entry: 6,28,28
